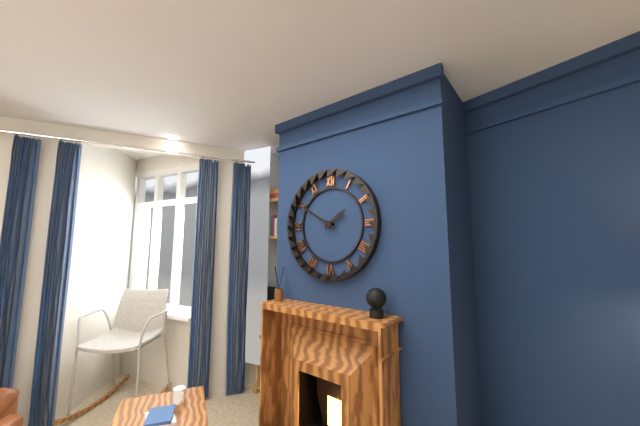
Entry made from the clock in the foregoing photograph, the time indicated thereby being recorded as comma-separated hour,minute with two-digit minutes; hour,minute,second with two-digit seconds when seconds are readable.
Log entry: 1,50
